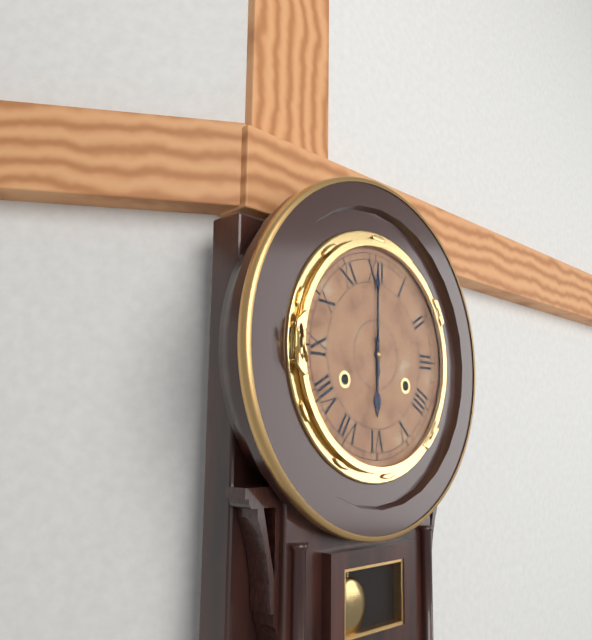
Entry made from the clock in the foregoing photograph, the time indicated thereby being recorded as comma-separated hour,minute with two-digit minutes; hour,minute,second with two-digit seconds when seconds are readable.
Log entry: 6,00
